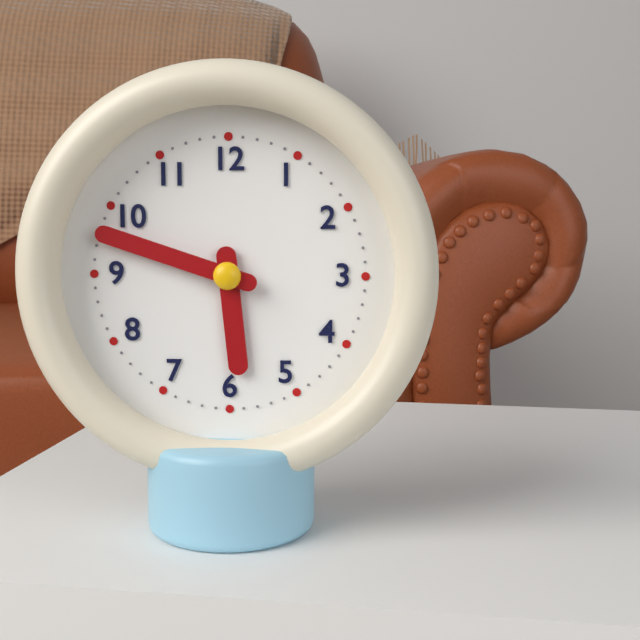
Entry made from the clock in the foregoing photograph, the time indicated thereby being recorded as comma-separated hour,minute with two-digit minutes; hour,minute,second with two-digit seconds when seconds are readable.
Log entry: 5,48
